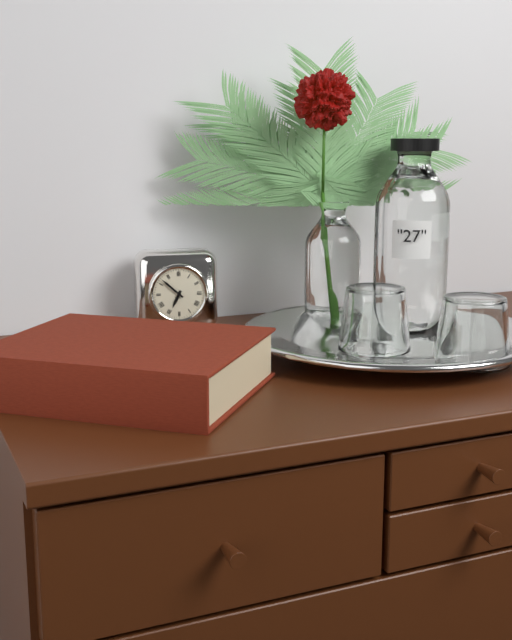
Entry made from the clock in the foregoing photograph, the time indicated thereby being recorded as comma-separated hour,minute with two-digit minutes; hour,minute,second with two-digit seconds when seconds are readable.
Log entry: 6,52
